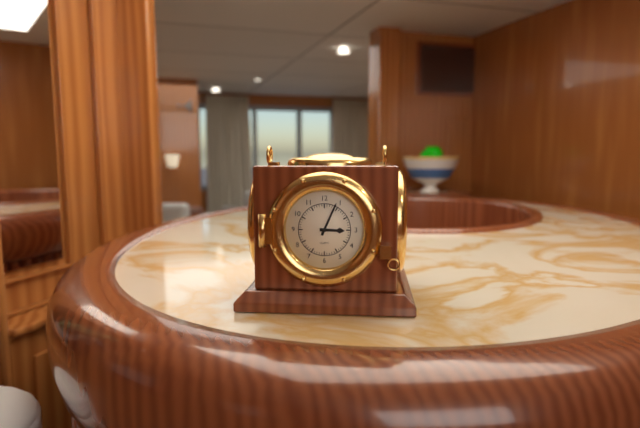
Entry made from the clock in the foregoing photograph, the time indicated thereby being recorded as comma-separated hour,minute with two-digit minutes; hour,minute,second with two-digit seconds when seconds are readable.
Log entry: 3,04
